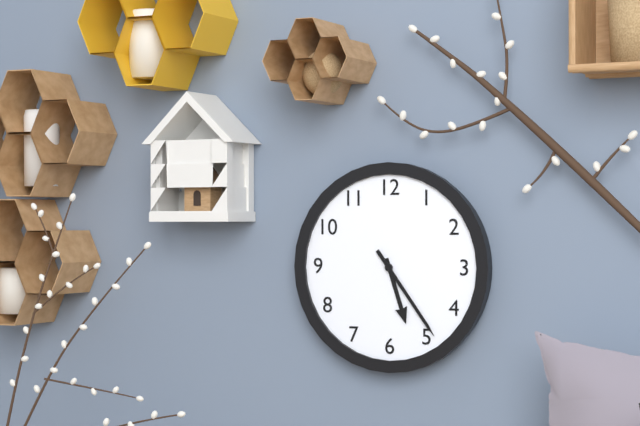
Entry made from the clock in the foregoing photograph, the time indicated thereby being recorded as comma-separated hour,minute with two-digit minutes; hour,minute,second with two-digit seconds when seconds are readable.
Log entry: 5,24
